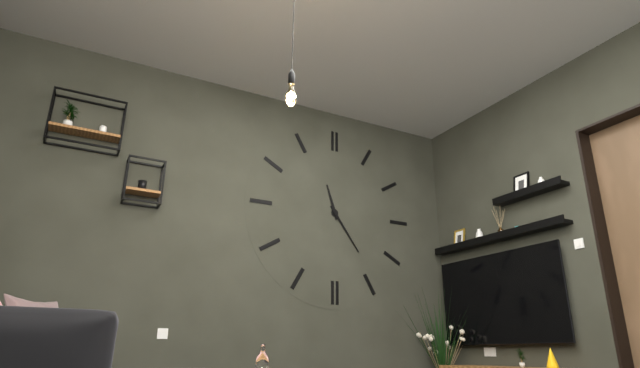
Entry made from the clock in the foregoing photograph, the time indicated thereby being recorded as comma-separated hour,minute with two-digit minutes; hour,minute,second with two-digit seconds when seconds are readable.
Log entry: 11,24
